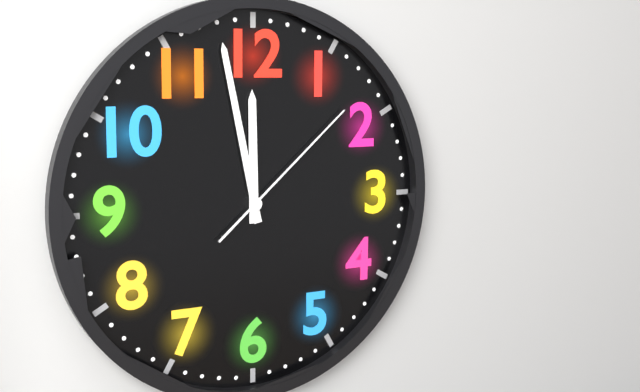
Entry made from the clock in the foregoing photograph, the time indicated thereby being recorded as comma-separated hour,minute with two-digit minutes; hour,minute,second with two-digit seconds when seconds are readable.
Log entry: 11,58,08
